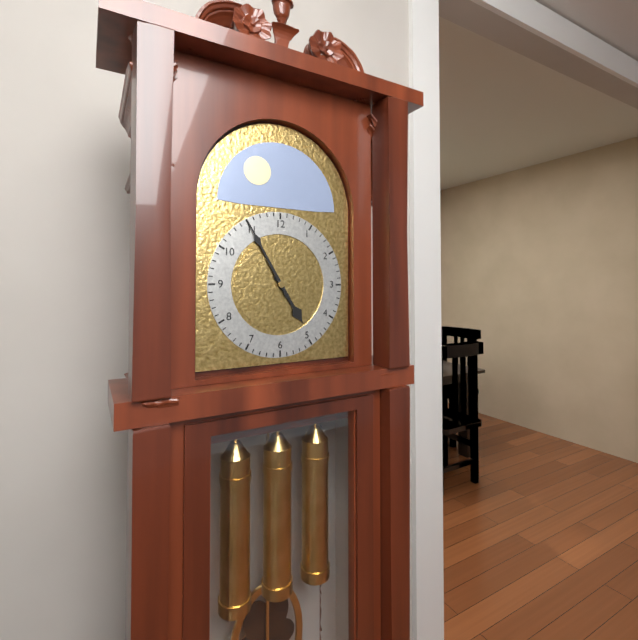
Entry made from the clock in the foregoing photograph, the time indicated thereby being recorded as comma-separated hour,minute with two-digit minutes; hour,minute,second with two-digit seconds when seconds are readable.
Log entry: 4,55
